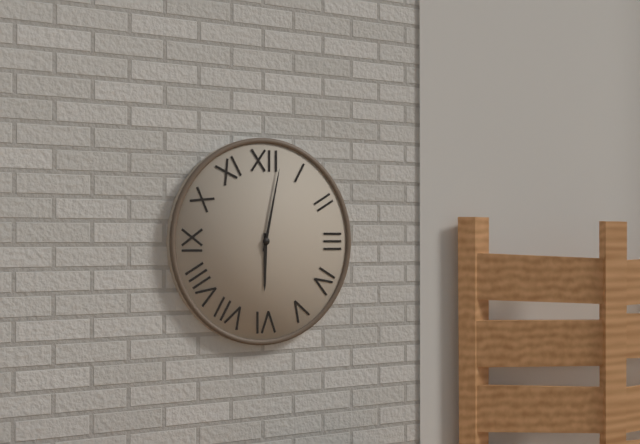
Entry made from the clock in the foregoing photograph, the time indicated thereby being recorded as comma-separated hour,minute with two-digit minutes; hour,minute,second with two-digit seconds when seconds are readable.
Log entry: 6,02
